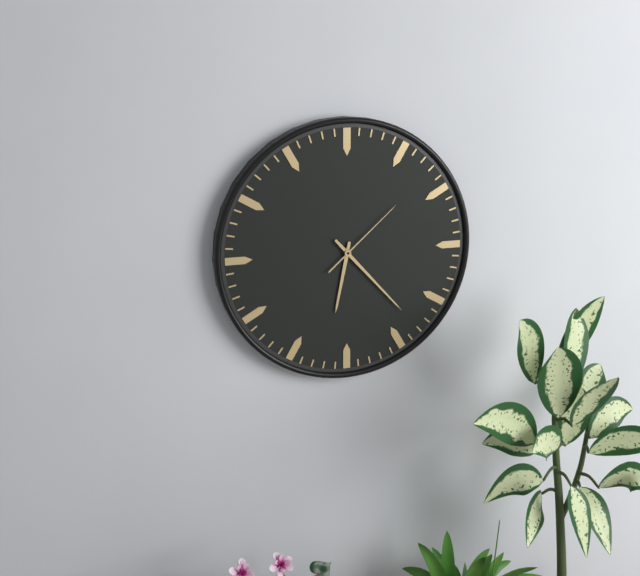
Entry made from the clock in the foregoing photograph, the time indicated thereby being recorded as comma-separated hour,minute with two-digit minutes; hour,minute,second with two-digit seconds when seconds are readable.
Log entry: 6,23,08
